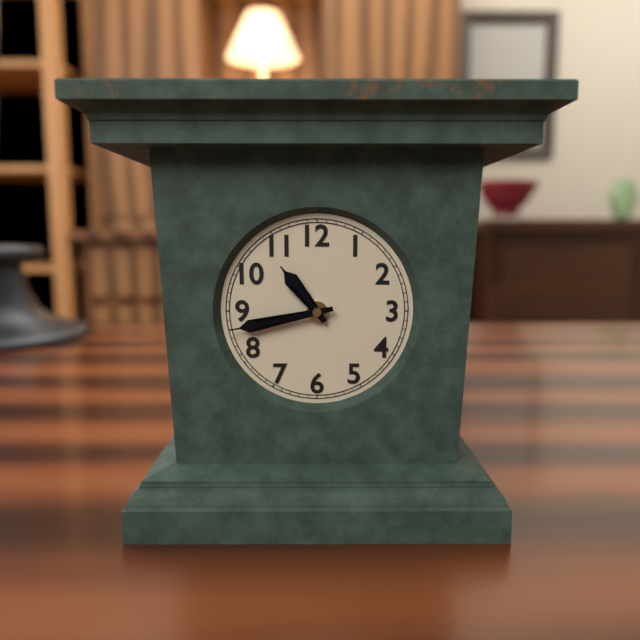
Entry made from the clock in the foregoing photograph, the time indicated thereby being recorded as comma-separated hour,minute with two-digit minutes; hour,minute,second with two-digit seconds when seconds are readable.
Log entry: 10,43
